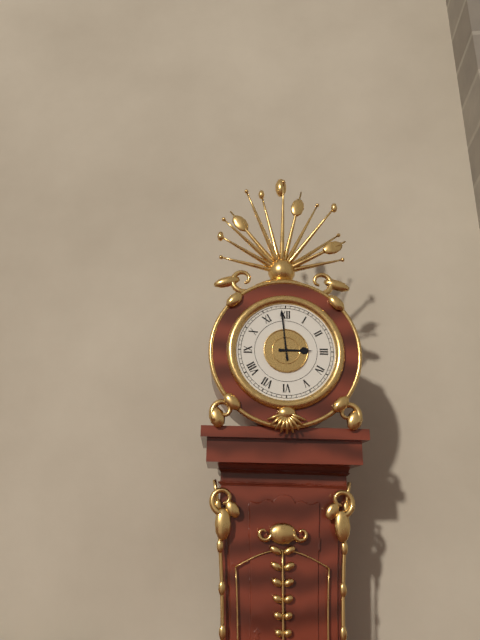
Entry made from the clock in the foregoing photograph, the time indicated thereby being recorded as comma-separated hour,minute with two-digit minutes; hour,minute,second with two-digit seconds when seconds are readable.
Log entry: 2,59
